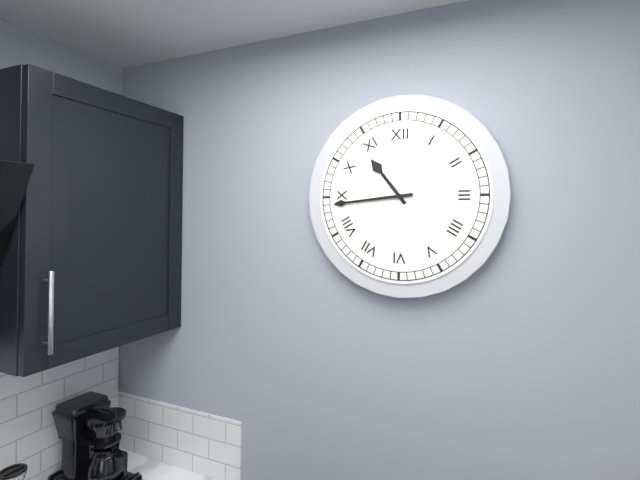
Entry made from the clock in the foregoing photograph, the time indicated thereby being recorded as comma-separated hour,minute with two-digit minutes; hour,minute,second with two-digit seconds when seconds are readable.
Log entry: 10,44
